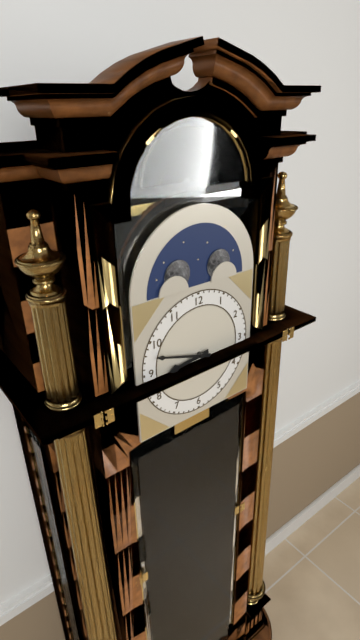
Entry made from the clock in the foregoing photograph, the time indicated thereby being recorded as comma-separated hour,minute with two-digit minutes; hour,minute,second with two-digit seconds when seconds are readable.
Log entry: 8,48
